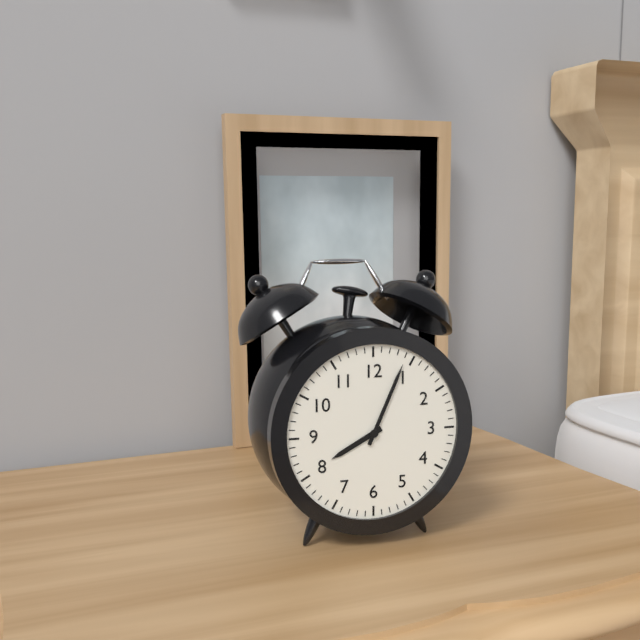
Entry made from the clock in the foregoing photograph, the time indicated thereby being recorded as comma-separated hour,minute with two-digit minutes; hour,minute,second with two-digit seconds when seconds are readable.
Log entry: 8,04
